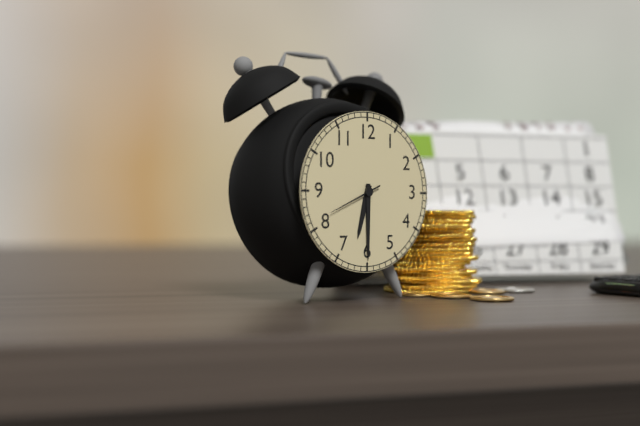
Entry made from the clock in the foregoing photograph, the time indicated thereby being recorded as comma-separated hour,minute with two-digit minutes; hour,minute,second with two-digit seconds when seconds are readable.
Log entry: 6,30,41
